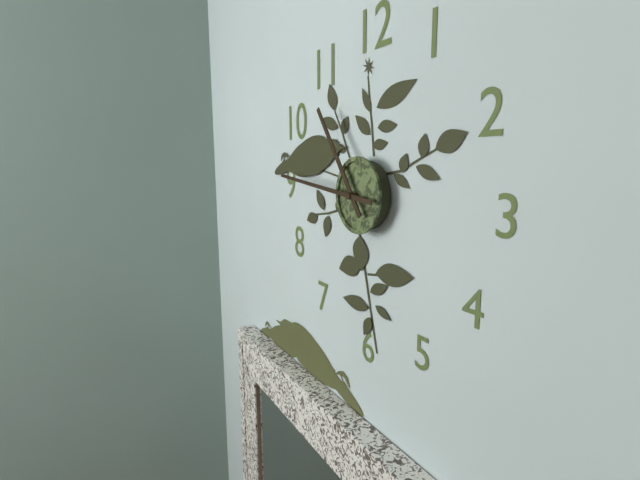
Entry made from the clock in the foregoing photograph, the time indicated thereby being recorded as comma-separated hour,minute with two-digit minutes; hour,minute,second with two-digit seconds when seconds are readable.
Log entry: 10,46
